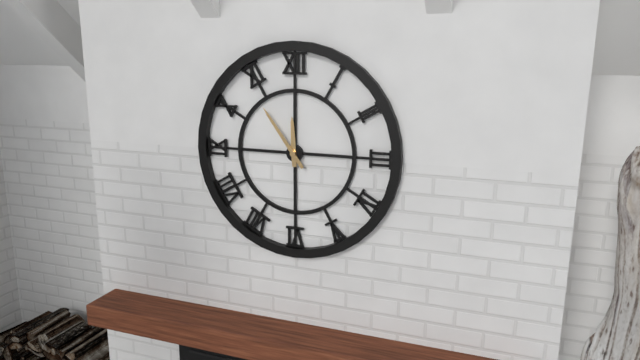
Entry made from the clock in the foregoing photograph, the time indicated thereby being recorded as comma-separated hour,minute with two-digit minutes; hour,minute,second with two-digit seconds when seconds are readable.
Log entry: 11,54
